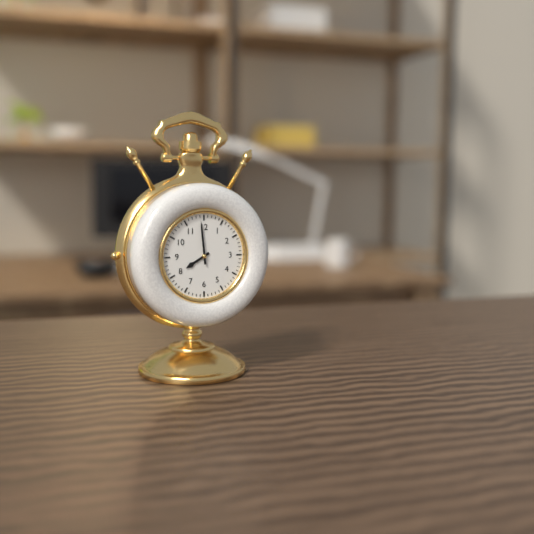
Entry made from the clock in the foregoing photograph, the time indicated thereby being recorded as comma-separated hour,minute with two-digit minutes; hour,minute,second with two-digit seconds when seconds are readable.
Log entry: 7,59
